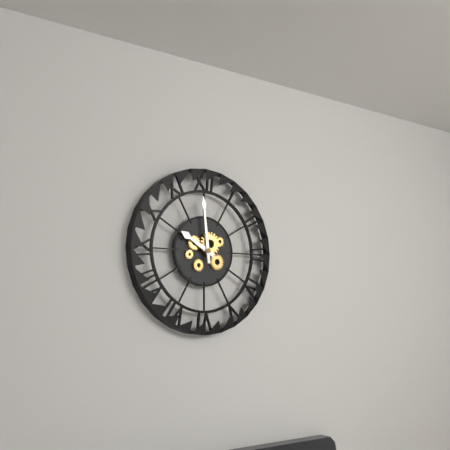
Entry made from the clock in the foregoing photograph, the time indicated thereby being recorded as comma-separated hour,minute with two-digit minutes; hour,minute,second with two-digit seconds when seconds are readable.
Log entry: 9,59
